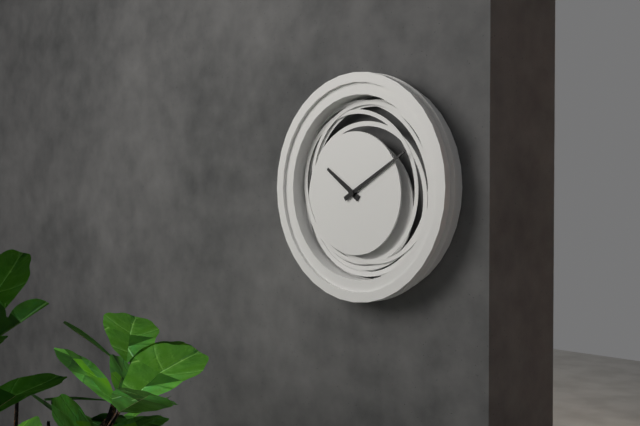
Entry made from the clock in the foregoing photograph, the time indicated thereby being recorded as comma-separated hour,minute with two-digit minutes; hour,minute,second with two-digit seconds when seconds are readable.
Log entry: 10,10
